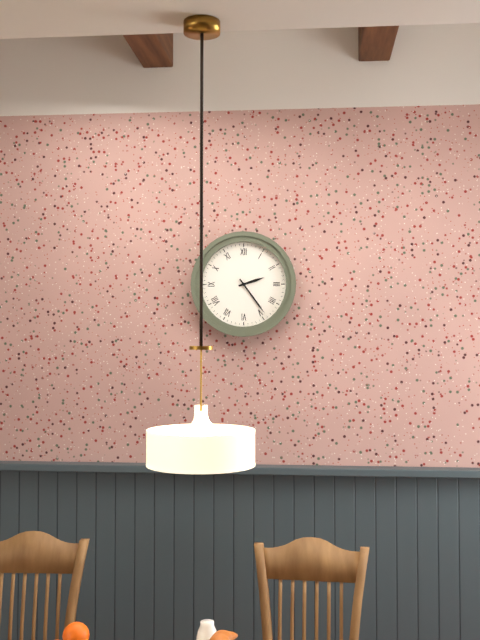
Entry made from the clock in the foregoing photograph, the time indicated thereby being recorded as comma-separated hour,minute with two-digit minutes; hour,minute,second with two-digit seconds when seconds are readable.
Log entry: 2,24
